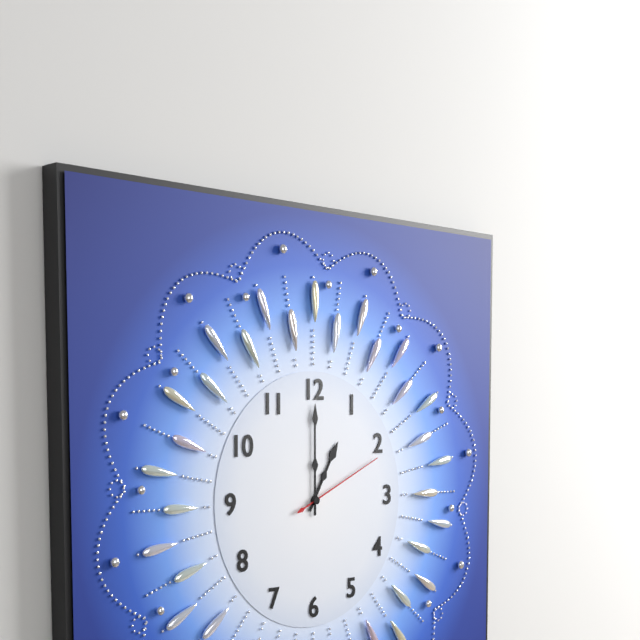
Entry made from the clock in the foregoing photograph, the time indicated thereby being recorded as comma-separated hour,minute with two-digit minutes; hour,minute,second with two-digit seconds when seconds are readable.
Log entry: 1,00,11
